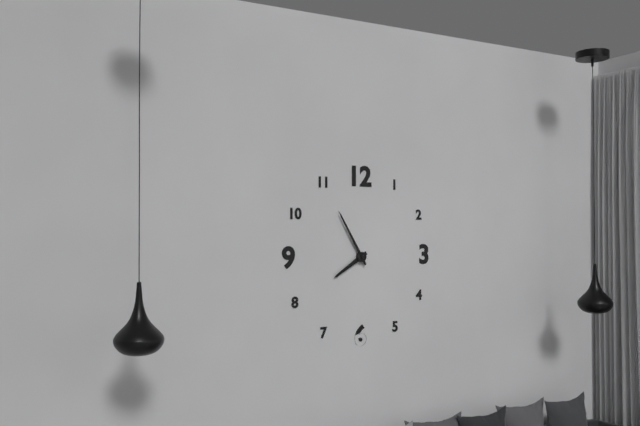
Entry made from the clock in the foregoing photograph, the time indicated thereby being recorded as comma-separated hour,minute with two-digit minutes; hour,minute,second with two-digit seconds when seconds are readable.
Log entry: 7,55
